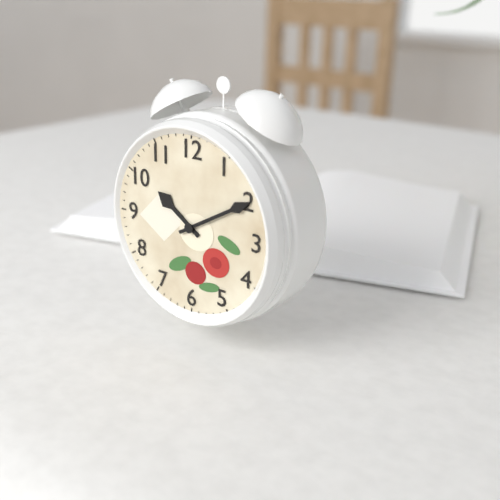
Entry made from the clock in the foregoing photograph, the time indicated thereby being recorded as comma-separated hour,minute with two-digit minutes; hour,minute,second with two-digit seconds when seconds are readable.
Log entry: 10,10
